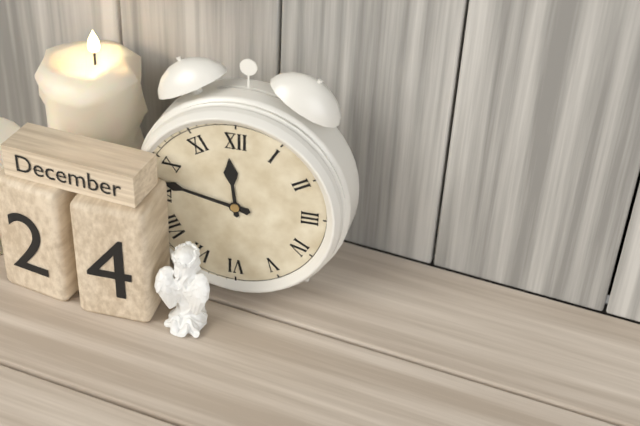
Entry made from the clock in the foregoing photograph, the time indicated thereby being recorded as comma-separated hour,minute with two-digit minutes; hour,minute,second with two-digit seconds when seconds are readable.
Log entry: 11,47
